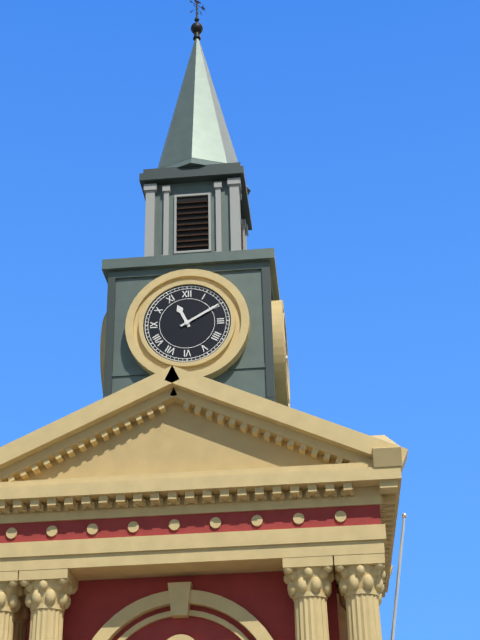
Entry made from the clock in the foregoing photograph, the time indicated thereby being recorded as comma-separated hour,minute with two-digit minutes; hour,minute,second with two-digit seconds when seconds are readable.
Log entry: 11,10
